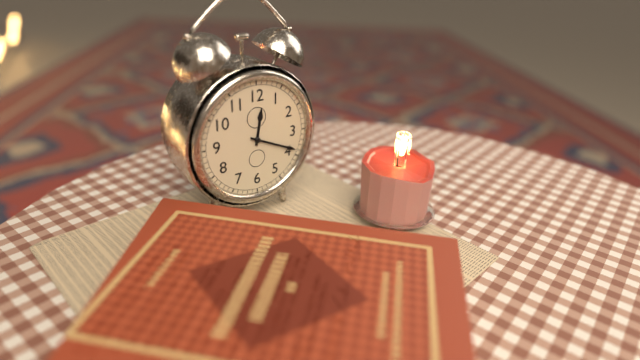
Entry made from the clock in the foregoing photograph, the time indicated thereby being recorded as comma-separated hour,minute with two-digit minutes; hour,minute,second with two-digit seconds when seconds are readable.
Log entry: 12,19
